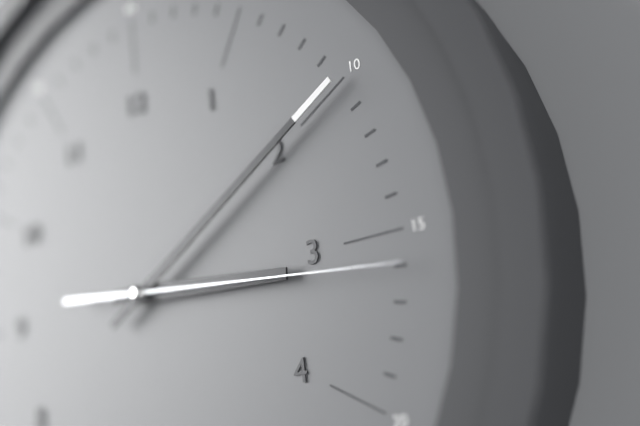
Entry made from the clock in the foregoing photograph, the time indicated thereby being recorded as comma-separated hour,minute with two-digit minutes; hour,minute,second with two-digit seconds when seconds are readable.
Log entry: 3,10,16
